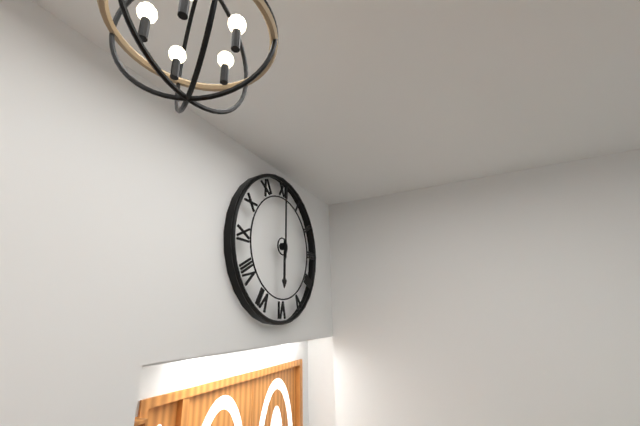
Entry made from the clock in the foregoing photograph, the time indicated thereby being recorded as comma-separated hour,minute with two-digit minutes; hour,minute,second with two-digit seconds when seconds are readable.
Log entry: 6,00
